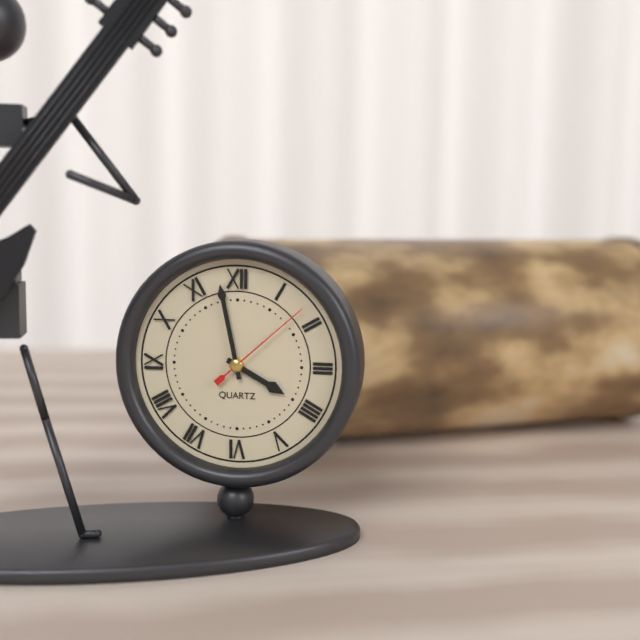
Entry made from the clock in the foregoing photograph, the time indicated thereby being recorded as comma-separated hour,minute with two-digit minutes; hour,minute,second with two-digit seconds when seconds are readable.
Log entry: 3,58,08
